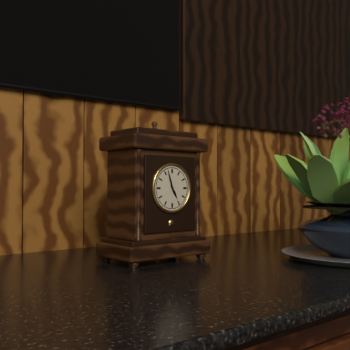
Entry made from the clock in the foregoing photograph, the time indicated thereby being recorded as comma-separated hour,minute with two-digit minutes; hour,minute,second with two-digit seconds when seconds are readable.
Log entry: 4,57
